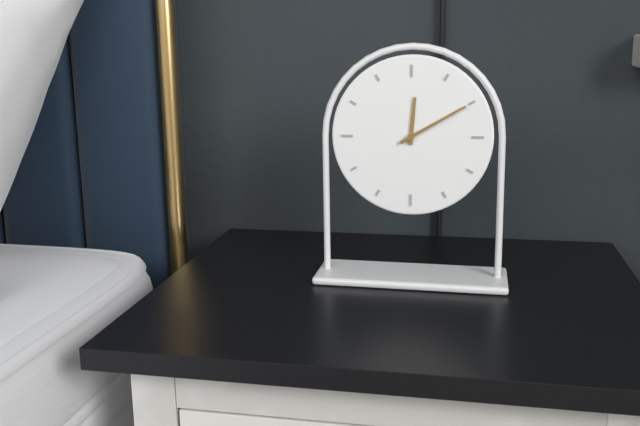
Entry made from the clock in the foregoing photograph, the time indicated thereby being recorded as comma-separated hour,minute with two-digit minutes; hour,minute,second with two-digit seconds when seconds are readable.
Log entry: 12,10
